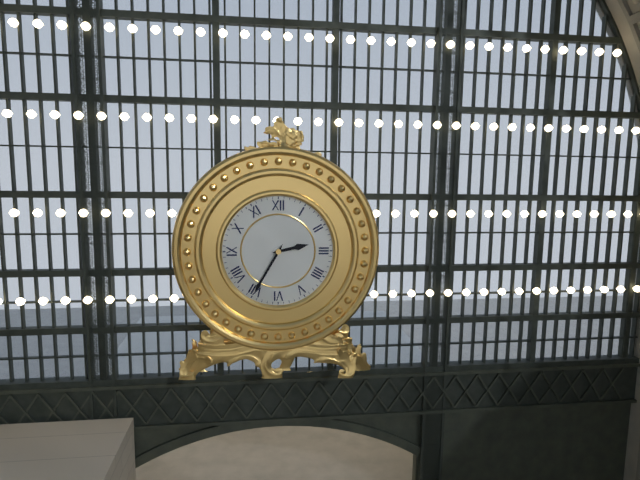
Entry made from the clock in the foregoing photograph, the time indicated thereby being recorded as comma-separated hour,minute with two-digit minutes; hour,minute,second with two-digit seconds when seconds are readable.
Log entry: 2,35
